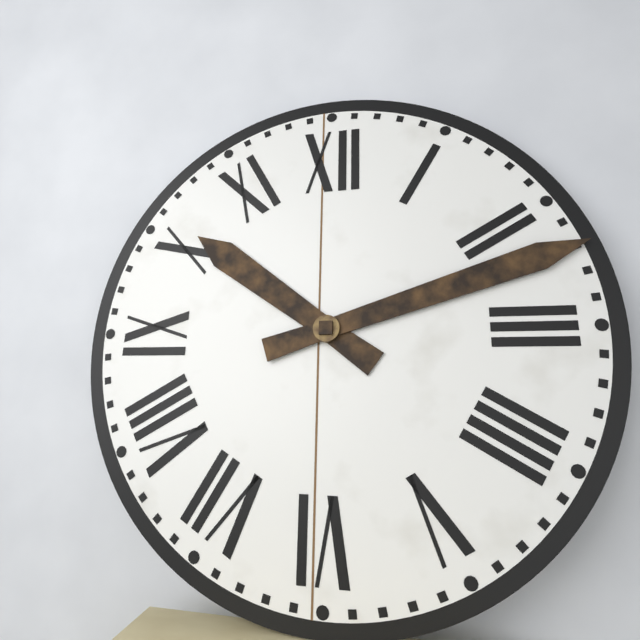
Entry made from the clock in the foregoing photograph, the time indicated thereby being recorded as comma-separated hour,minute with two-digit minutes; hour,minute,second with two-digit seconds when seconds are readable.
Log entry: 10,12
